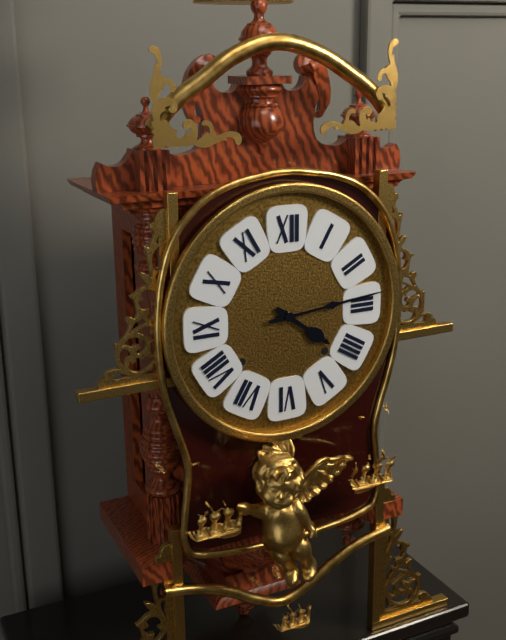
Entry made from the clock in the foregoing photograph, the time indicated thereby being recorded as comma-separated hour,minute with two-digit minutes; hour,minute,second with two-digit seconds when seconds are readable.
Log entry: 4,14
